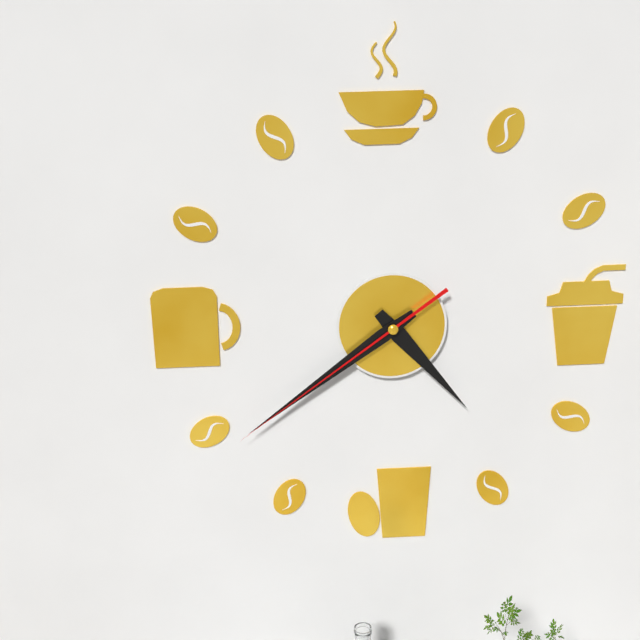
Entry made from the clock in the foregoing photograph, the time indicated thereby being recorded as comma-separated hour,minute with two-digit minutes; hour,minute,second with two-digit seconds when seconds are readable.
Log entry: 4,39,39
